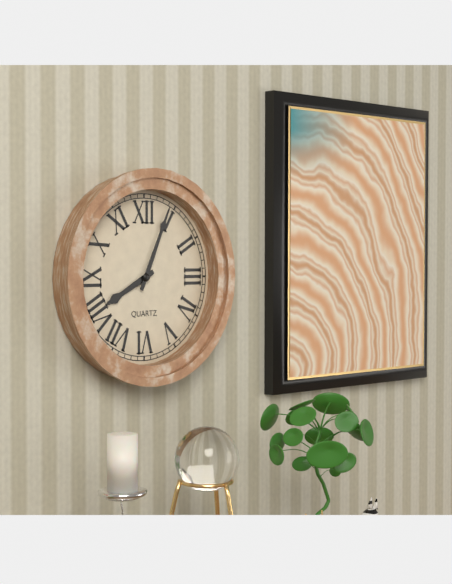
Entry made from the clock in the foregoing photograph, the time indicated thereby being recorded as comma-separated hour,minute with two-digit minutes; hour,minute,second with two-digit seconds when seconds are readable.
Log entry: 8,04
